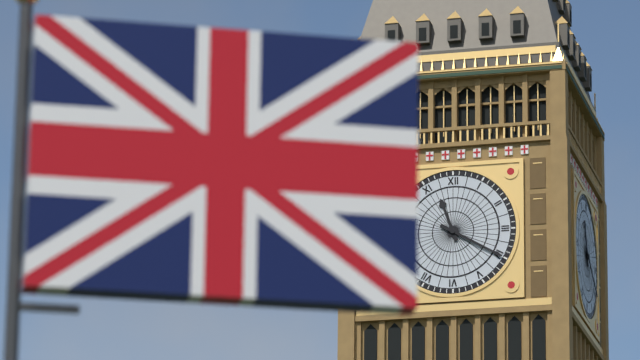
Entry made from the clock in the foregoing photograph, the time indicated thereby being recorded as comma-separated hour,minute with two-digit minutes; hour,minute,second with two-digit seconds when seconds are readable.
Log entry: 11,20
